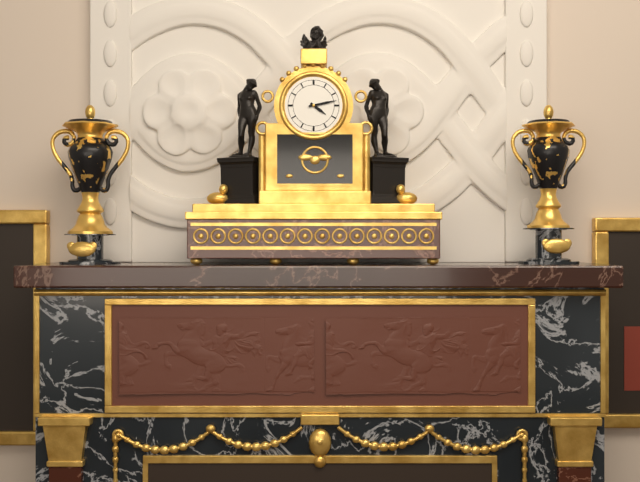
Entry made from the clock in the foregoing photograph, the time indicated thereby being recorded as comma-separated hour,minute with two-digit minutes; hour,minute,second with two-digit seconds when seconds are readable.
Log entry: 4,13
